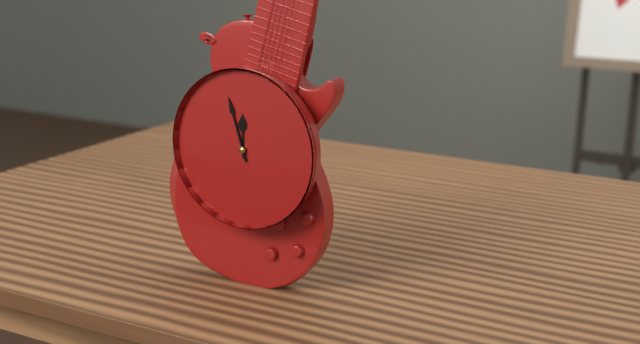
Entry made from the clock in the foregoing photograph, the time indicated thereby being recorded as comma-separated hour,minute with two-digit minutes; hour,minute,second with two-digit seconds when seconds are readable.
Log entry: 11,57
